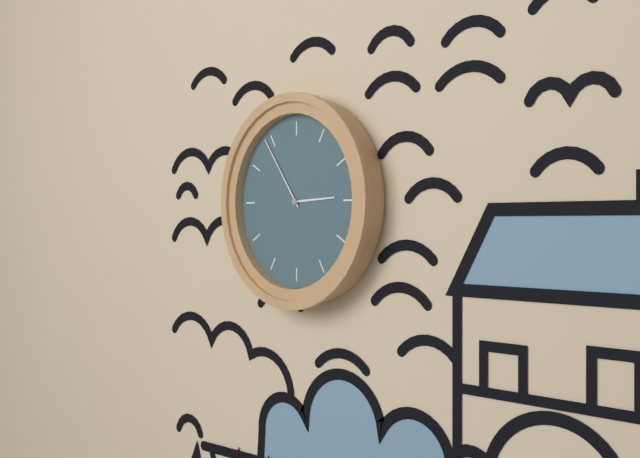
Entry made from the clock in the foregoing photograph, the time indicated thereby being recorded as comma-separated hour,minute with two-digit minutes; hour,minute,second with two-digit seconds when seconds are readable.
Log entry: 2,54
